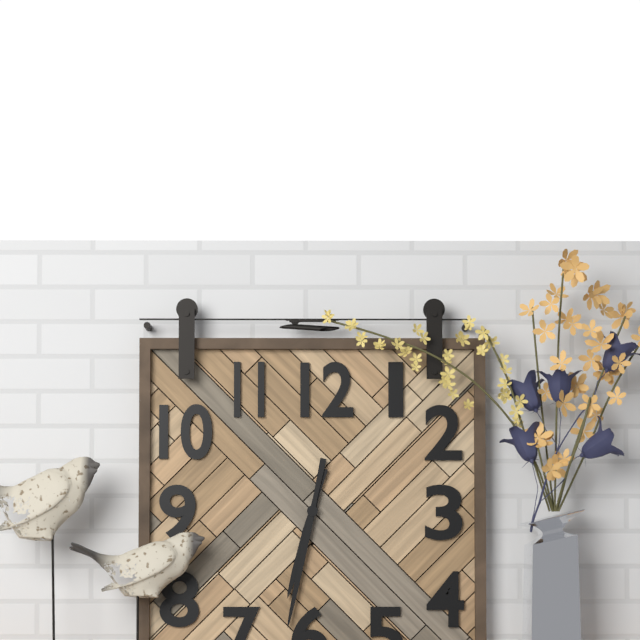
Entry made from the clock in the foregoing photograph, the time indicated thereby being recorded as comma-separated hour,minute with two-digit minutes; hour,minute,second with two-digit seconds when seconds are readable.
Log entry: 6,32
